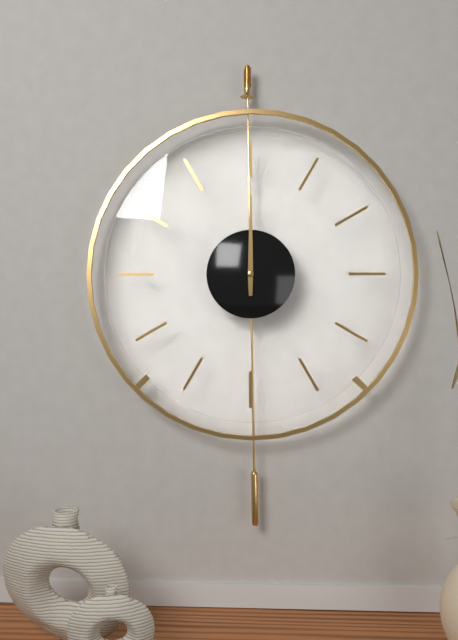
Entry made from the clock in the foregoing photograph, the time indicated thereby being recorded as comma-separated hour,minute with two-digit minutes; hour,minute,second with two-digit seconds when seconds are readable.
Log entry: 12,00
